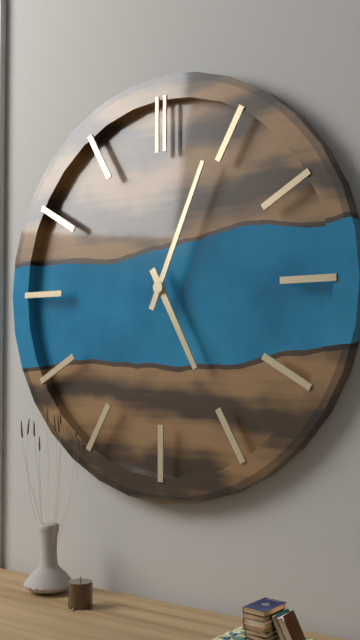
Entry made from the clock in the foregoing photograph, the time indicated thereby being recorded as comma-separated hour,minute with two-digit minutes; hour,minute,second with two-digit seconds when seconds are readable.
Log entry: 5,04
